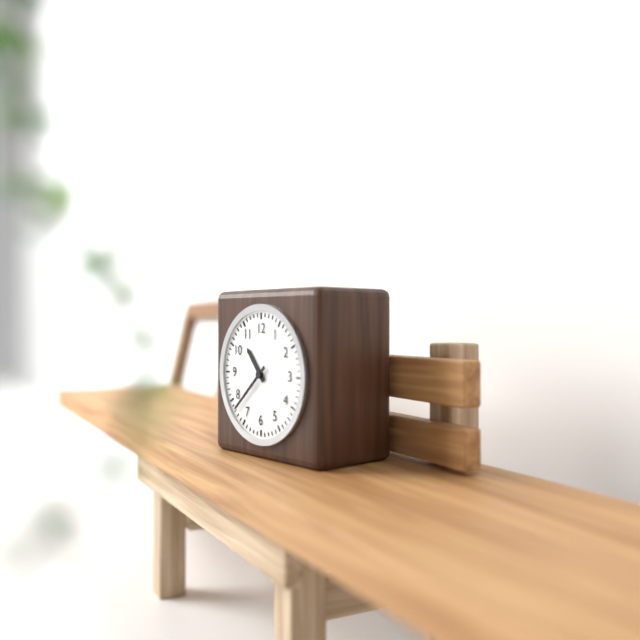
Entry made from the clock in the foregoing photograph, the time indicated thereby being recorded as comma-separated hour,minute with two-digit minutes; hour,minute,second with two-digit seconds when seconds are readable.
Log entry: 10,38
